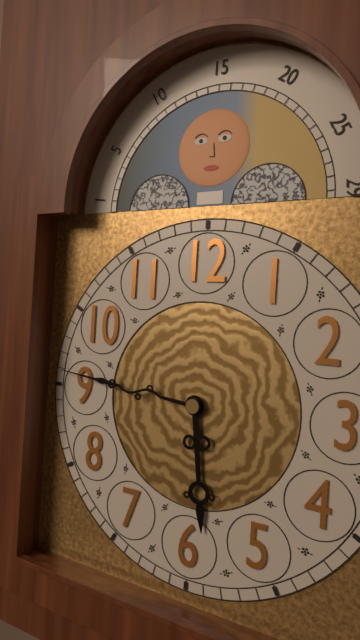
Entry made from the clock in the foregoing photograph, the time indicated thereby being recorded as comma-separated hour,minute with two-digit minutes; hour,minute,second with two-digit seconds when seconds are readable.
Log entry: 5,46
